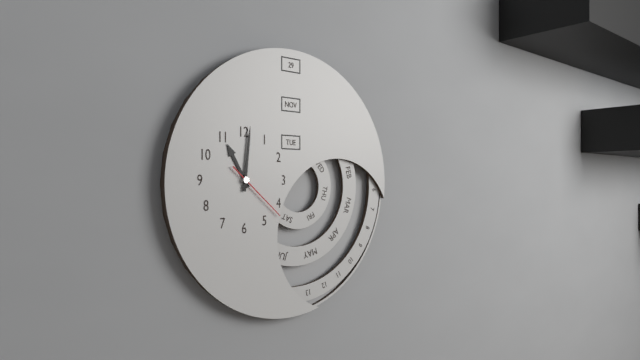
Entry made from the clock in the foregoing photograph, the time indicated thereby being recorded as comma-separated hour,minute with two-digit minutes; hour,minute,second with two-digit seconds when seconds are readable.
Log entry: 11,01,22
